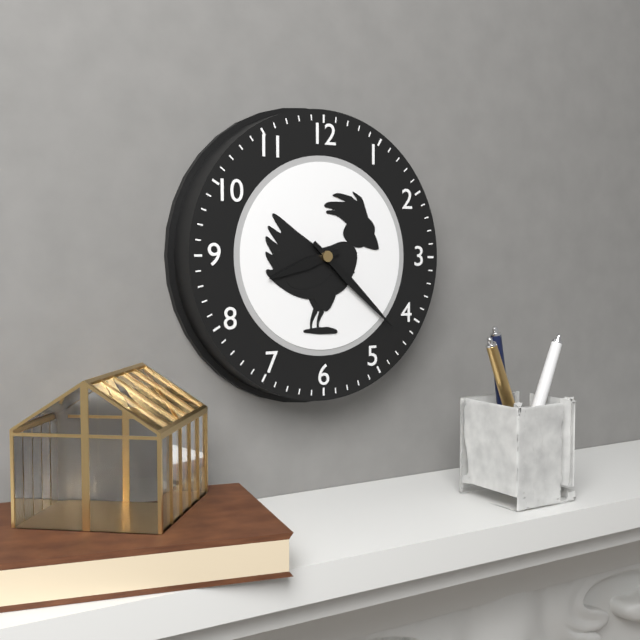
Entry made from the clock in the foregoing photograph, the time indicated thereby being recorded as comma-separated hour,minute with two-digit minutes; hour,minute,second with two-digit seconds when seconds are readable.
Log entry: 8,22
